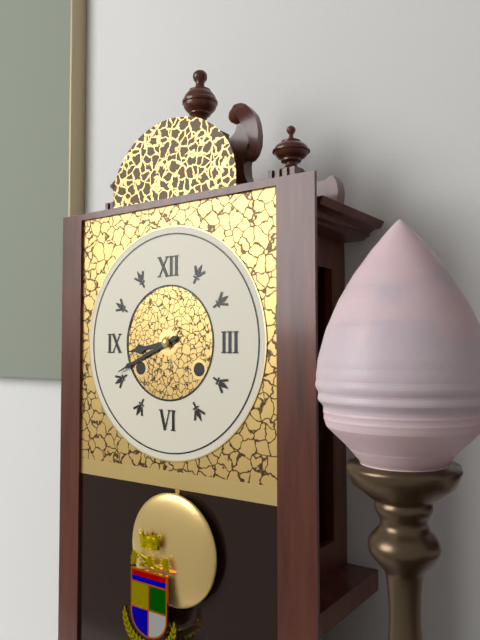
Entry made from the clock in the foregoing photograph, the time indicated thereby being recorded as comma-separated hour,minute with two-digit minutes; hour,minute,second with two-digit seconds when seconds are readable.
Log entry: 8,41
